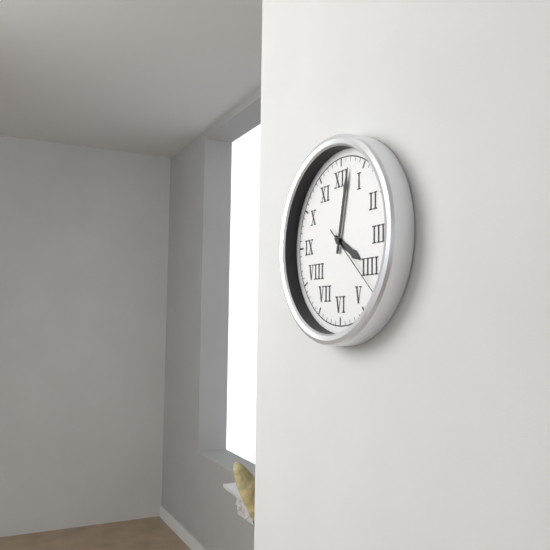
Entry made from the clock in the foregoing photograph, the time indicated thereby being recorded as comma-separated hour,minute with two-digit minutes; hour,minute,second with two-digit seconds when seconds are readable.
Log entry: 4,02,22
